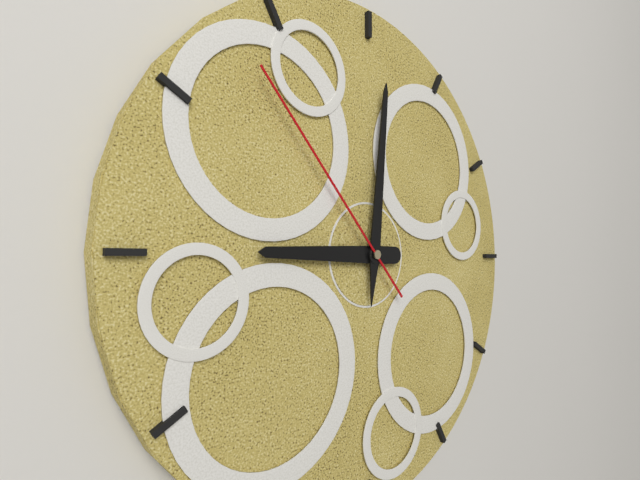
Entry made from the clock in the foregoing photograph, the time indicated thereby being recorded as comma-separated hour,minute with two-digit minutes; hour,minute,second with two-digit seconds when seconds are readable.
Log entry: 9,01,53
